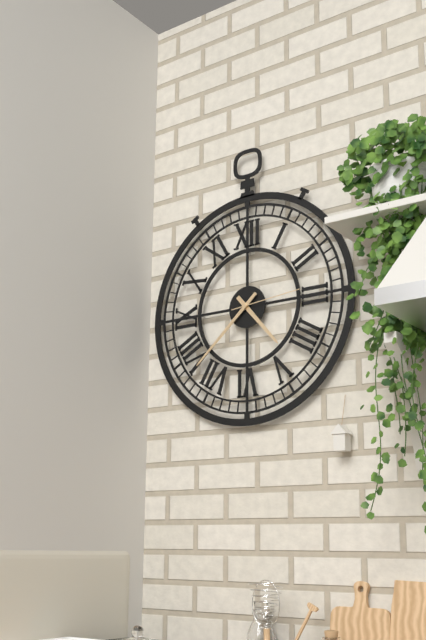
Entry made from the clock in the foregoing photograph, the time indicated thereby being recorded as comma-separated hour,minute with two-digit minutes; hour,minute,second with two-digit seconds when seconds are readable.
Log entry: 4,38,14
